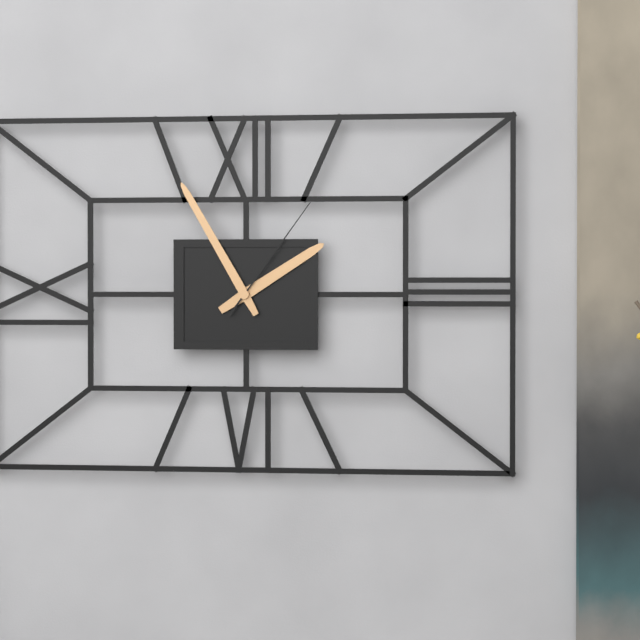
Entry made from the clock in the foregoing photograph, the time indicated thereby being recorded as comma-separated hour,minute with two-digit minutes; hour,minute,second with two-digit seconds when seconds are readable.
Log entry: 1,55,06
